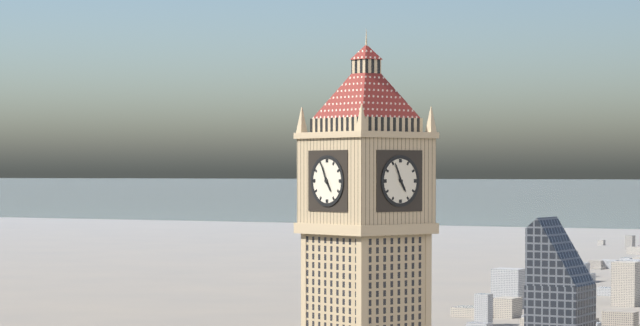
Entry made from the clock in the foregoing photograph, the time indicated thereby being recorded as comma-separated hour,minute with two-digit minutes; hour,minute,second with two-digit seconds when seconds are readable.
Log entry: 4,56
